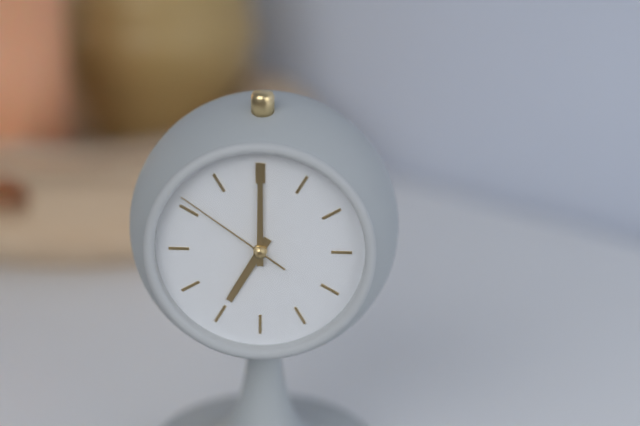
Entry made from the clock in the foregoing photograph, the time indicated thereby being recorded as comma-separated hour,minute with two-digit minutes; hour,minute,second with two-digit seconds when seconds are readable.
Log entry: 7,00,51
